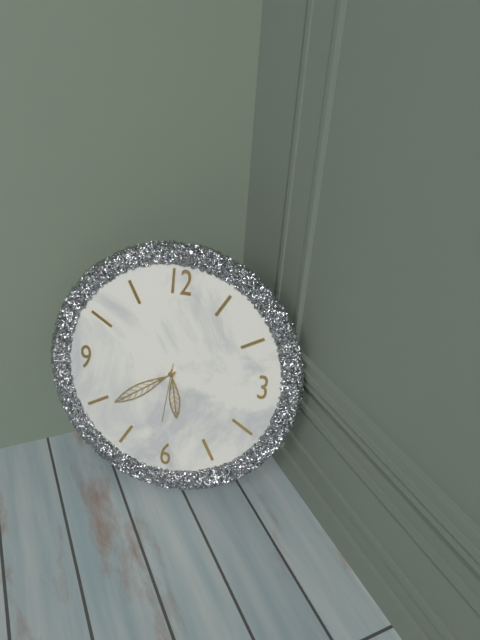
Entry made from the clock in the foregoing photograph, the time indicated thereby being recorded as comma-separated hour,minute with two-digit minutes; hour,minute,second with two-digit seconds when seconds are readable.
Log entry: 5,39,31
